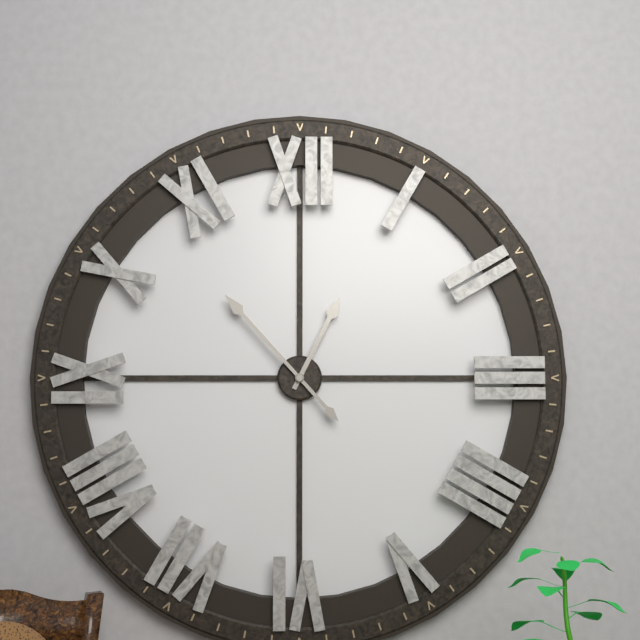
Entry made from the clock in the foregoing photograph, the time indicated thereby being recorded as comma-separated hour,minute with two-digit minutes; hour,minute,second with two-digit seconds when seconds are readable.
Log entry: 12,53
